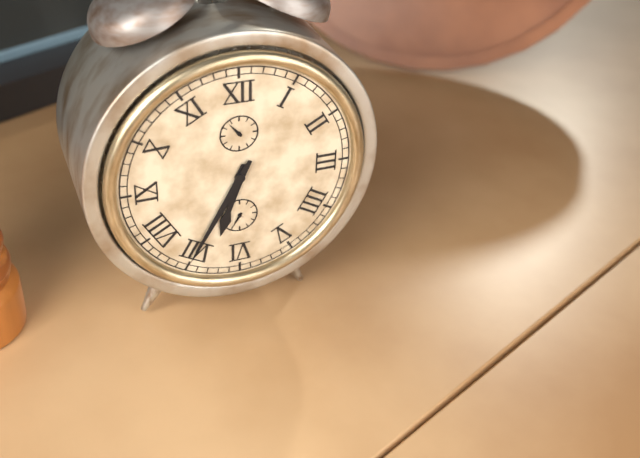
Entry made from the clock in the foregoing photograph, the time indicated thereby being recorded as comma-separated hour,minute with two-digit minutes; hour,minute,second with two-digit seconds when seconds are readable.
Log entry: 6,35
